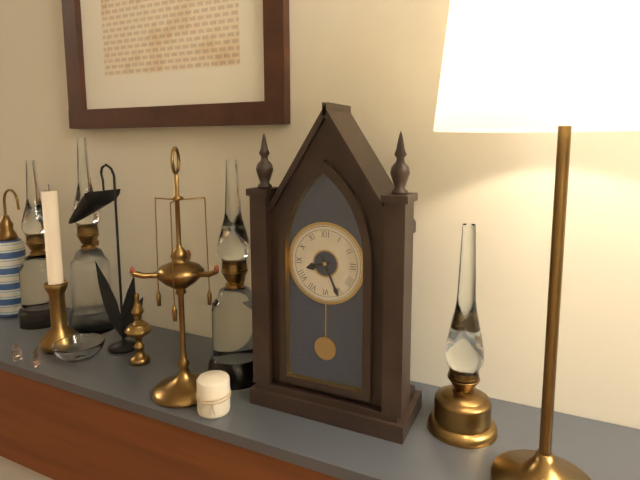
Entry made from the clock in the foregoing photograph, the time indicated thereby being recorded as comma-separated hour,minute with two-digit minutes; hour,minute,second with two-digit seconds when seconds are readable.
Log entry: 8,26
